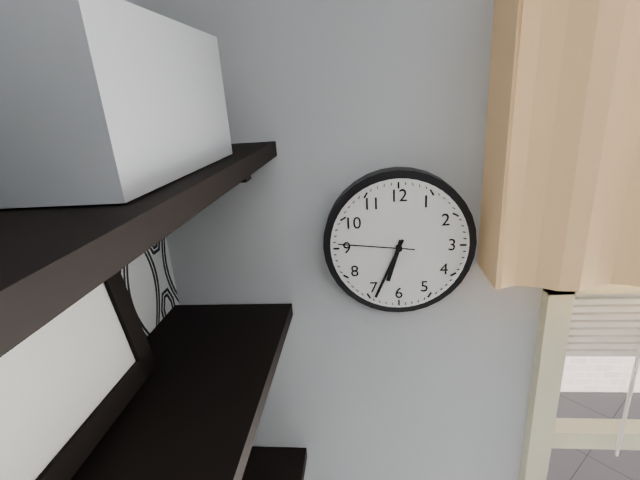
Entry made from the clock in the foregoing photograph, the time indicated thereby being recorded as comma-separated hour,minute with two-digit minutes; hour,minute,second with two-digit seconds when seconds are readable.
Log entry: 6,34,46
